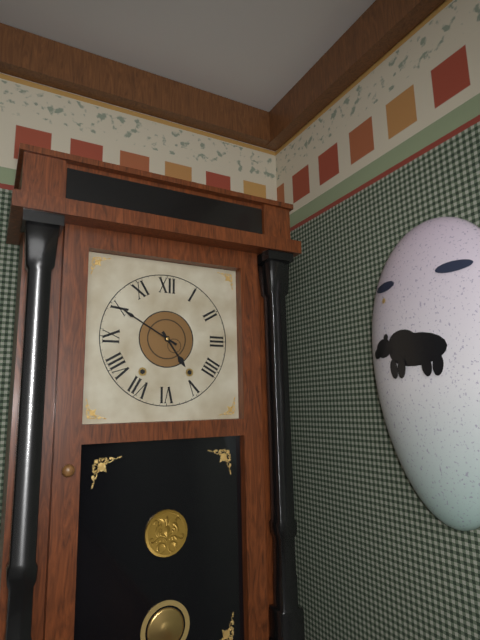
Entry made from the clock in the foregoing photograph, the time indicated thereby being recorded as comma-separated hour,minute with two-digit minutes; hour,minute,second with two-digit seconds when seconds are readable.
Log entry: 4,50
